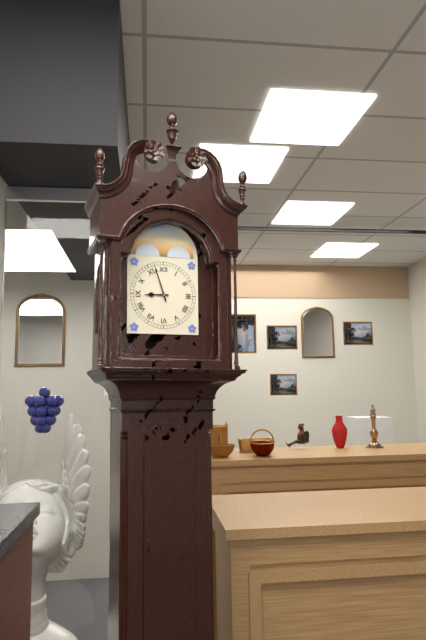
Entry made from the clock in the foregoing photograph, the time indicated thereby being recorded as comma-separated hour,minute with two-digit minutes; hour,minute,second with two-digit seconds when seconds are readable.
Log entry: 8,57
